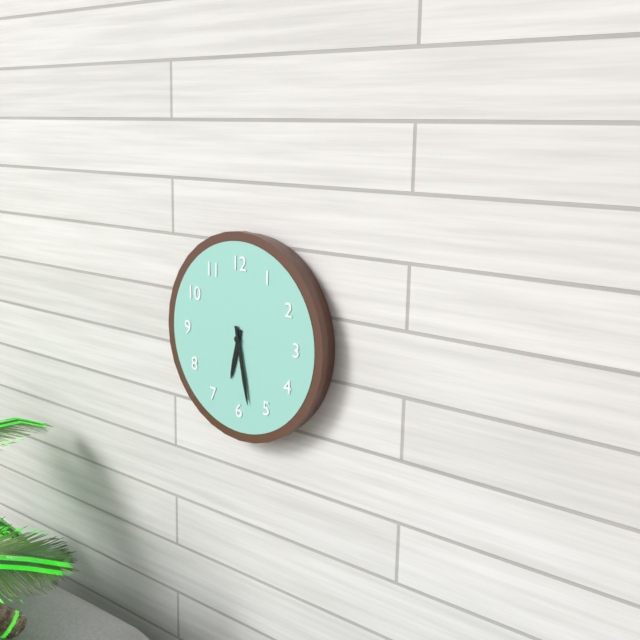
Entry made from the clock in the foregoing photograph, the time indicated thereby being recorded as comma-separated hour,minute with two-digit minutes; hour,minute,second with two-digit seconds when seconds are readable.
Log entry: 6,28
